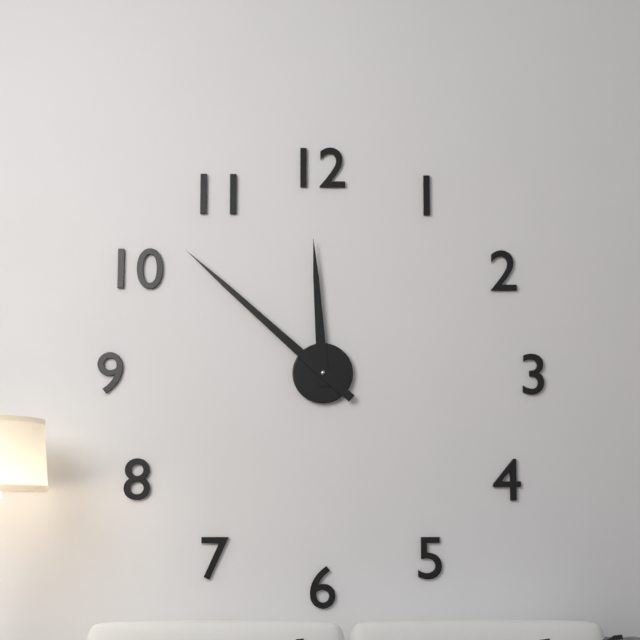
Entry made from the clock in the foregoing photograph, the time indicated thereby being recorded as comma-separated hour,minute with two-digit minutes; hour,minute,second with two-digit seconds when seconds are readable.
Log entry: 11,52
